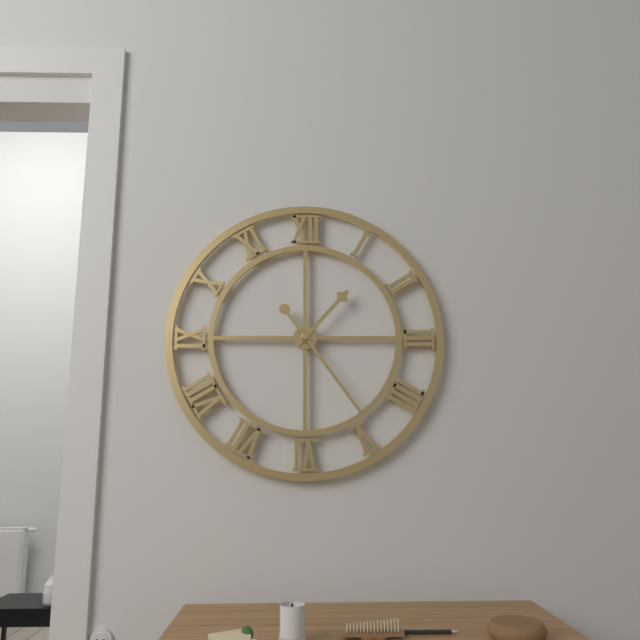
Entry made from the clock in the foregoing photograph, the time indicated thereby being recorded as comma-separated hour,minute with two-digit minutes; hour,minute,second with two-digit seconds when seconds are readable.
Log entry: 1,24
